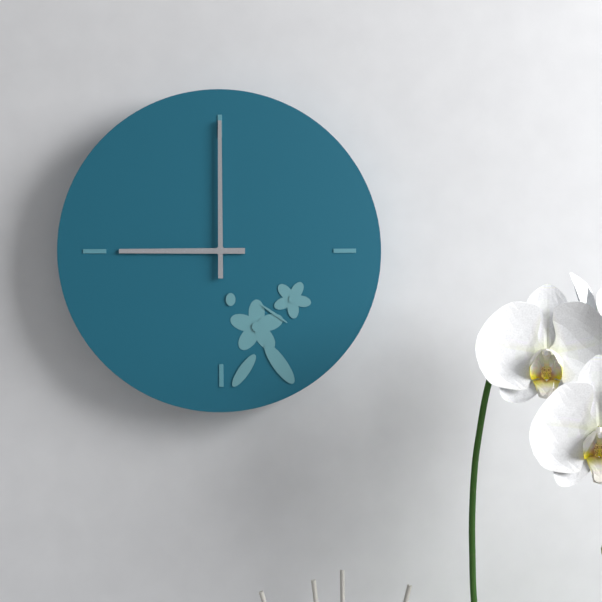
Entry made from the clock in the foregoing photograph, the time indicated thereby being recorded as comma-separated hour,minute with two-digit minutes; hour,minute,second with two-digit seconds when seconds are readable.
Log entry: 9,00
